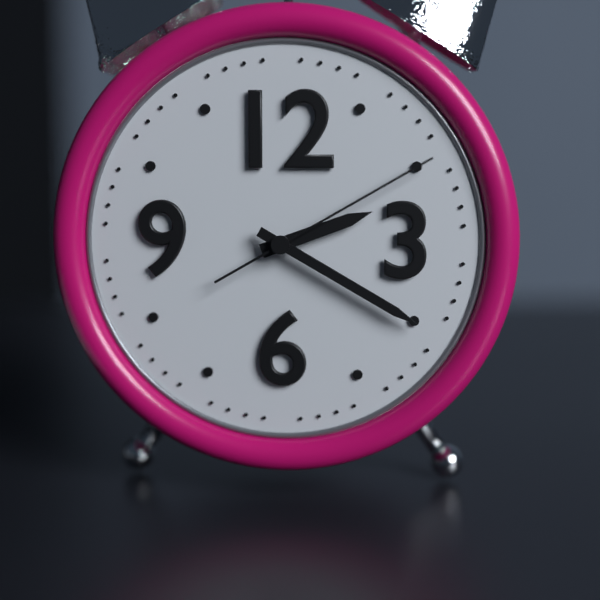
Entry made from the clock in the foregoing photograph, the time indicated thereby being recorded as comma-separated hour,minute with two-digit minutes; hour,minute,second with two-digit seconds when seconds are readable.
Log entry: 2,20,10
